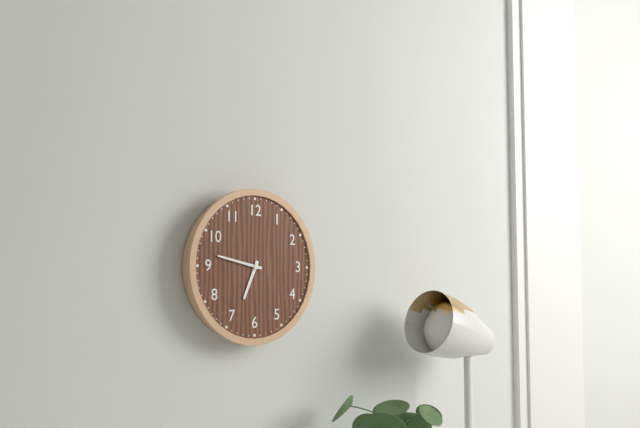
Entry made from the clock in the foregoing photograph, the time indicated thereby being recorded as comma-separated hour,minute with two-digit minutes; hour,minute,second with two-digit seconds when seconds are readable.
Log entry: 6,47
